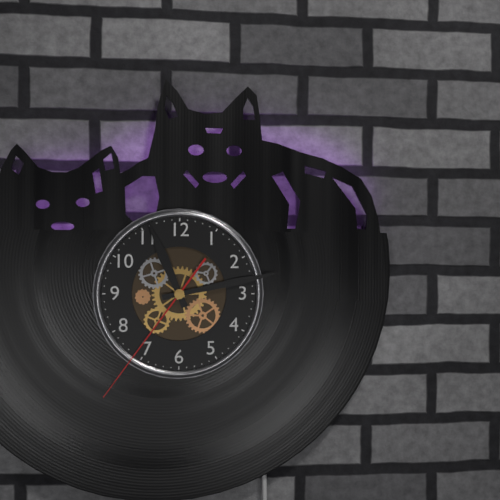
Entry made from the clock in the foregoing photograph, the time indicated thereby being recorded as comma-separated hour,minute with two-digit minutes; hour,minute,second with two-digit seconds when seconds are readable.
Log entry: 11,13,36
